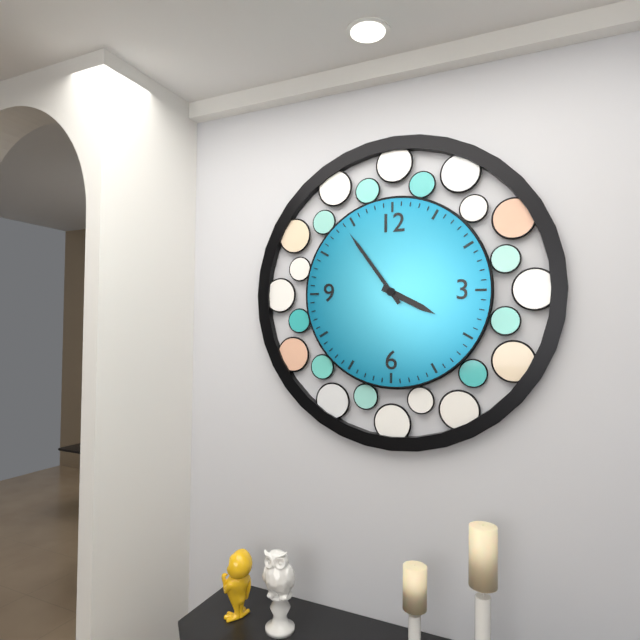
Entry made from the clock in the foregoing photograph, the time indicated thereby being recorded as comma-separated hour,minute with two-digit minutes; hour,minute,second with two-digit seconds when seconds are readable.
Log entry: 3,54
